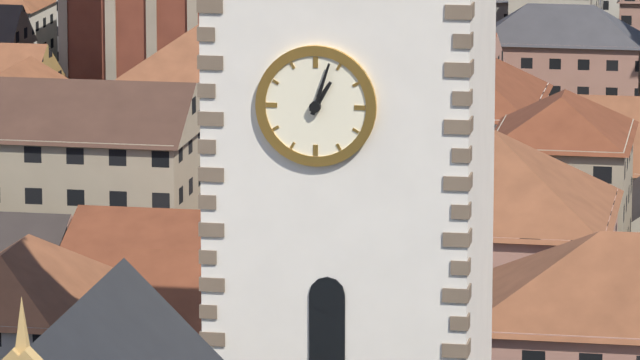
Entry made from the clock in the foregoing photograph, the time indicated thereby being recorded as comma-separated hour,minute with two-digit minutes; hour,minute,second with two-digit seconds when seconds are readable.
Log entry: 1,03
